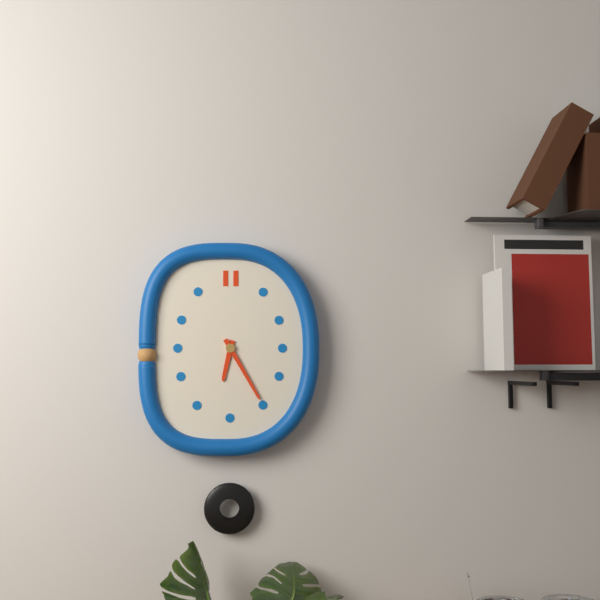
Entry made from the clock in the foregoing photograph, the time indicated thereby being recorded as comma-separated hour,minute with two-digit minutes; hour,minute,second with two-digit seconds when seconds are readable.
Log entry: 6,25
